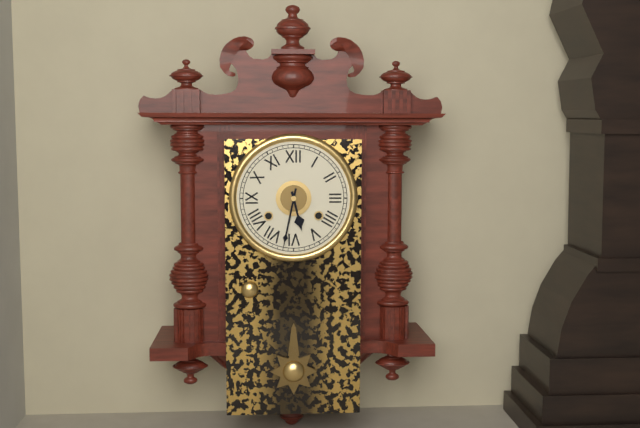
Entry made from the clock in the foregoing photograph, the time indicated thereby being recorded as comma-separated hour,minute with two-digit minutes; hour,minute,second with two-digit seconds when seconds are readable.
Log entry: 5,32
